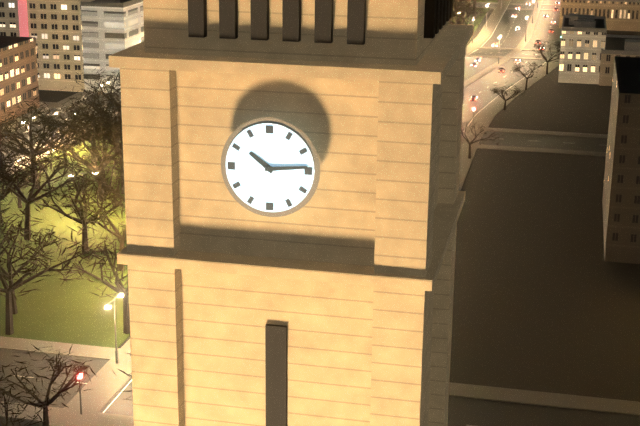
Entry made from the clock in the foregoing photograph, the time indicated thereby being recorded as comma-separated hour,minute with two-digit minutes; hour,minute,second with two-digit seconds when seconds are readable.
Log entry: 10,14
